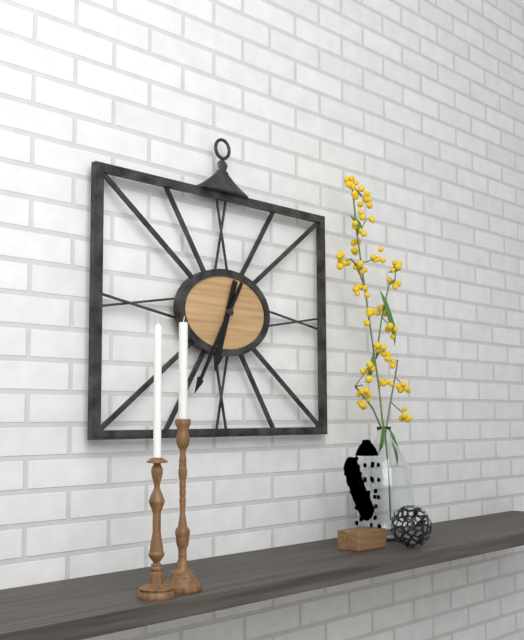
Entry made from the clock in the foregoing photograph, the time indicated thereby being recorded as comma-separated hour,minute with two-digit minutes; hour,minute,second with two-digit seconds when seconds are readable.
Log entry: 6,35
